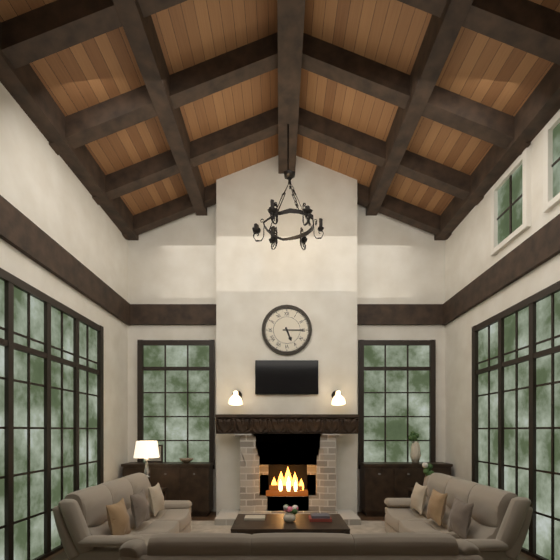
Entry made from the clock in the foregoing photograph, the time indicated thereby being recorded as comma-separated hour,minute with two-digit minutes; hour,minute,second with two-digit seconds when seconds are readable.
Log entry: 5,15
